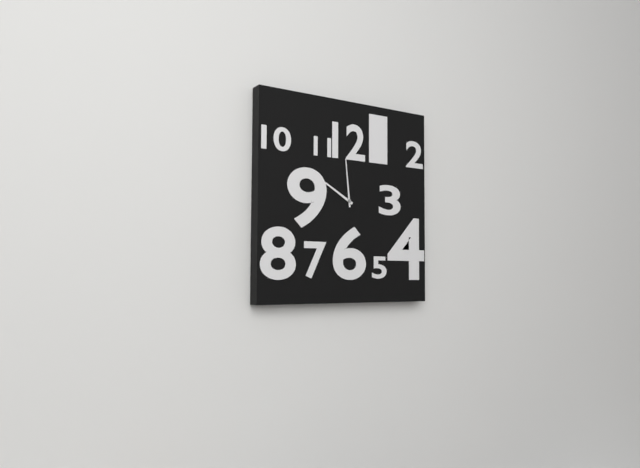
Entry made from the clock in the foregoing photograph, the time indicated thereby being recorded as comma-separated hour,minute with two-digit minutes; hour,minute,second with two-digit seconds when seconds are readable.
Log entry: 9,59
